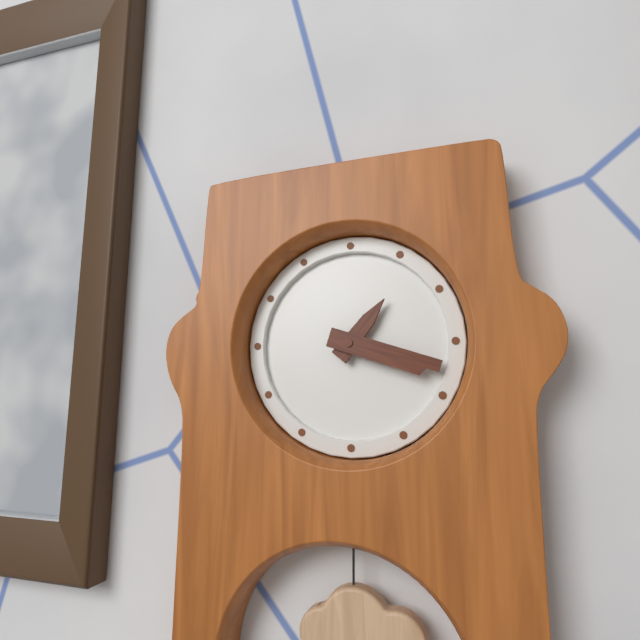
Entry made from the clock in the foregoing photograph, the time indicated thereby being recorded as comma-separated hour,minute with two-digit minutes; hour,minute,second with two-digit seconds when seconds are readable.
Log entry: 1,18
